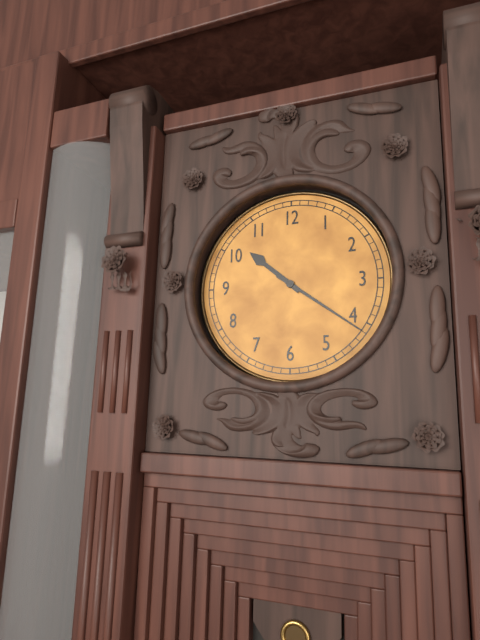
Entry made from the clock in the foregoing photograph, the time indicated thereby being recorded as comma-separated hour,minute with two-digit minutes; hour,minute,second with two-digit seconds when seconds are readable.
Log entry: 10,21
